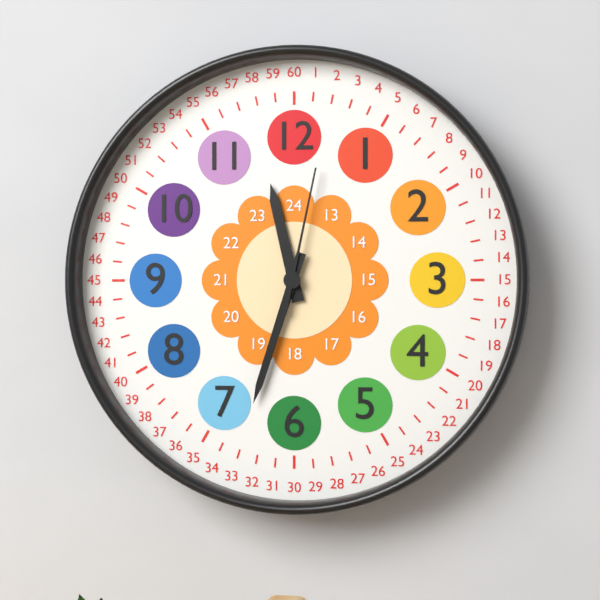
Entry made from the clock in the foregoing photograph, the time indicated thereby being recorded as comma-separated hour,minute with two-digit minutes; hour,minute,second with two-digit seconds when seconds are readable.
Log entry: 11,33,02
